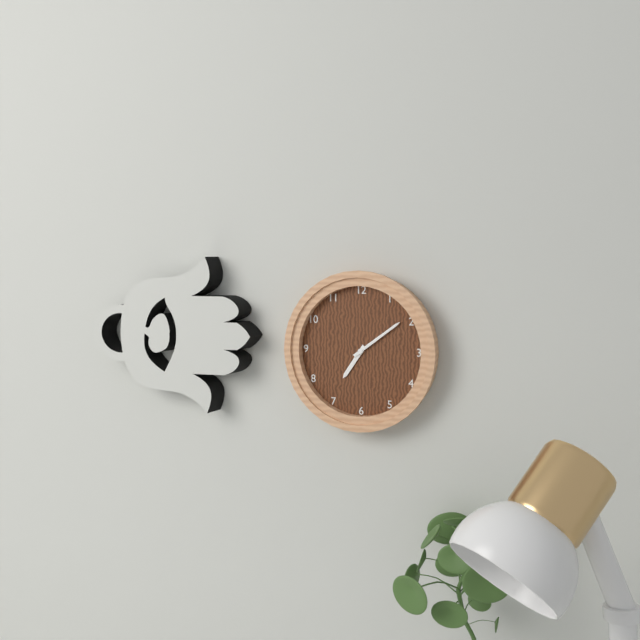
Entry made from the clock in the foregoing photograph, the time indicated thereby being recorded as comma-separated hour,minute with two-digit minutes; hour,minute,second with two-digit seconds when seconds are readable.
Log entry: 7,09
